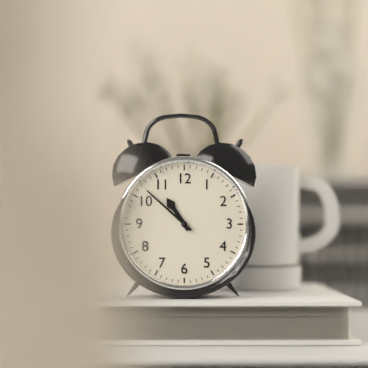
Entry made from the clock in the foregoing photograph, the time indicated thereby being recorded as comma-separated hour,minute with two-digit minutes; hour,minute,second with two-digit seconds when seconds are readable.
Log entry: 10,52
